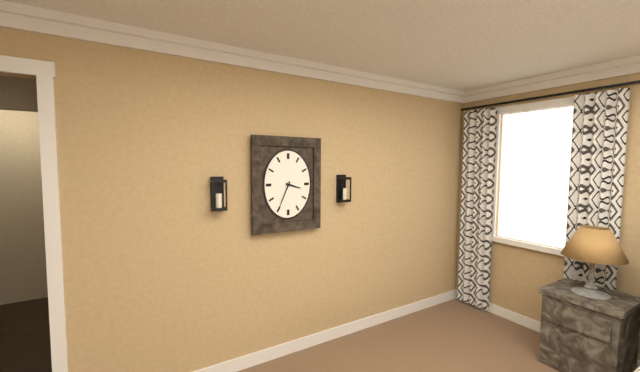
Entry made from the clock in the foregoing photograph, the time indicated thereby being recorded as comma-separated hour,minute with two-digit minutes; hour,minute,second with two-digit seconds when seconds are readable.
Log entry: 3,34
